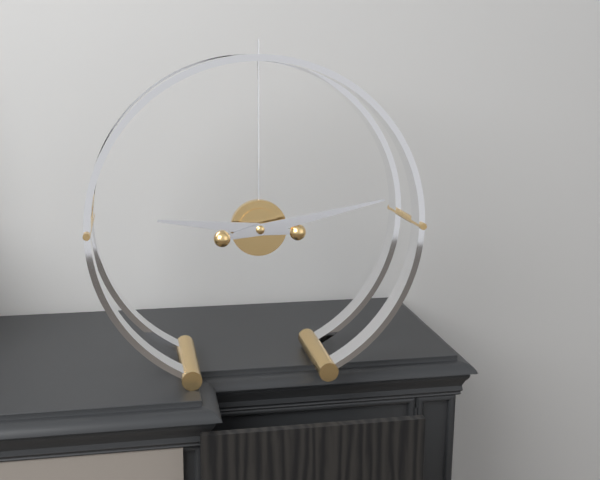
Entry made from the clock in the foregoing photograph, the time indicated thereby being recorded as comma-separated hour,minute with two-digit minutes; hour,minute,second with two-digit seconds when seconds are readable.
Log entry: 9,13
